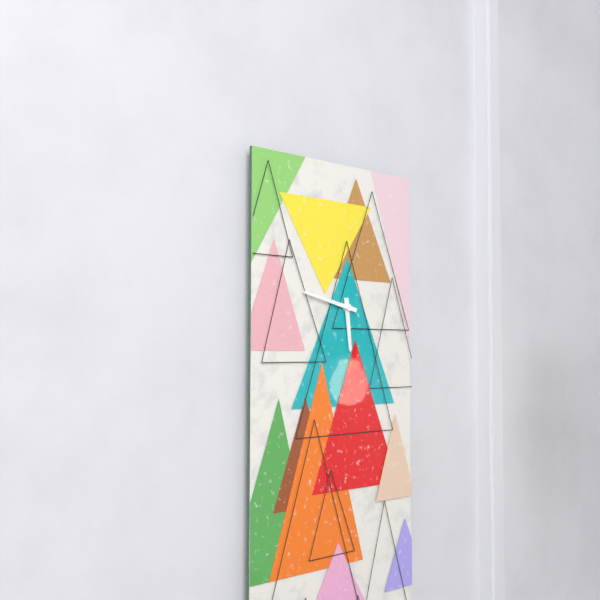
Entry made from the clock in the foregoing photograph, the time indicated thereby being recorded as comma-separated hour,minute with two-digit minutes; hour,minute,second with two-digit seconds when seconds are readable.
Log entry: 5,47
